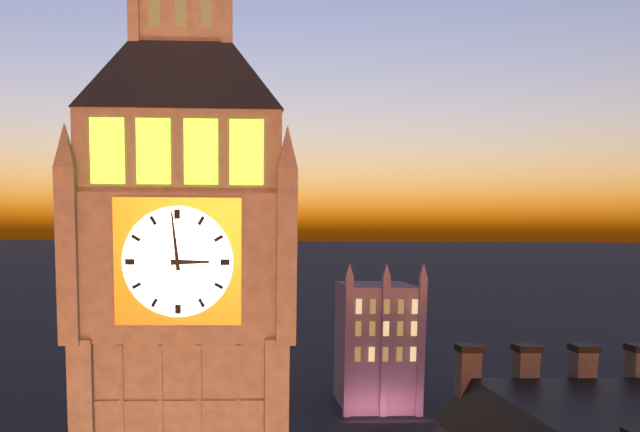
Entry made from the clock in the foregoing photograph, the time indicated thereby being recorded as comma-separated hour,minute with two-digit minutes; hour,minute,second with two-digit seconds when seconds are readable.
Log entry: 2,59
